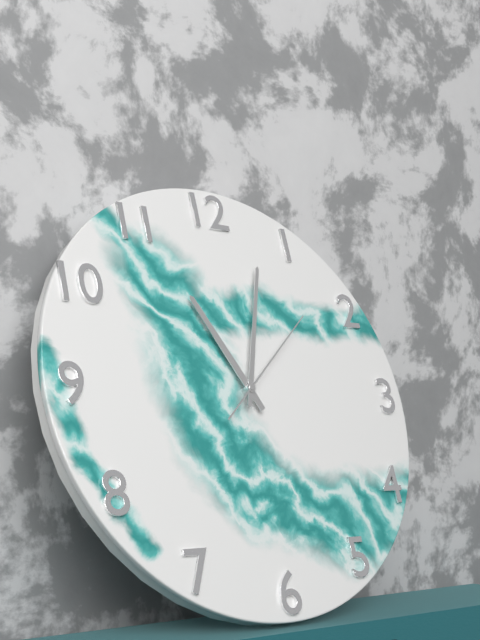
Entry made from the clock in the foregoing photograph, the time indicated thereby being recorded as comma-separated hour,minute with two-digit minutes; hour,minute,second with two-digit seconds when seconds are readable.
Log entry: 11,03,08
